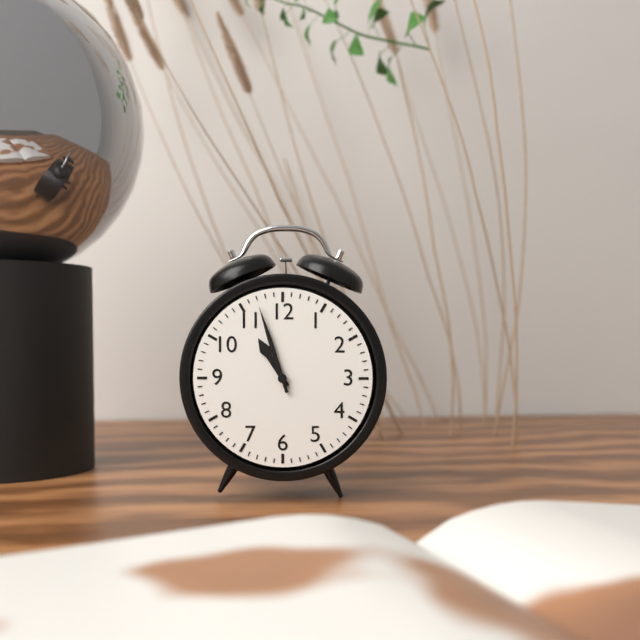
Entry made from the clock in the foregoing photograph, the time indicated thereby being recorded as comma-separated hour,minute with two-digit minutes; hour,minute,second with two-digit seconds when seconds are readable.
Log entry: 10,57
